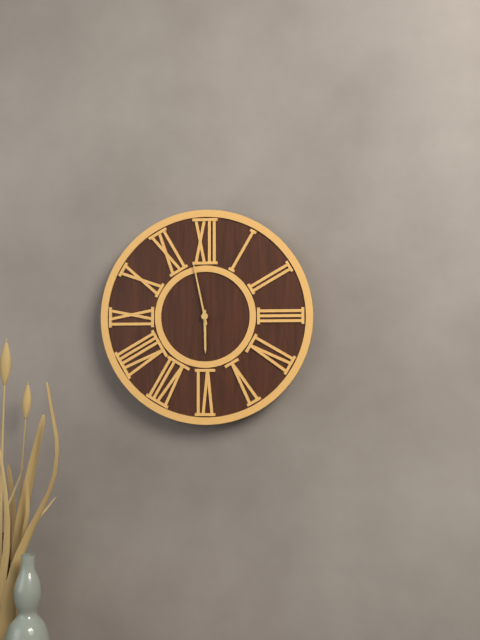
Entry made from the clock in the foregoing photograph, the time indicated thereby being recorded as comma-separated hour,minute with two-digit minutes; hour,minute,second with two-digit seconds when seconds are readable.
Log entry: 5,58
